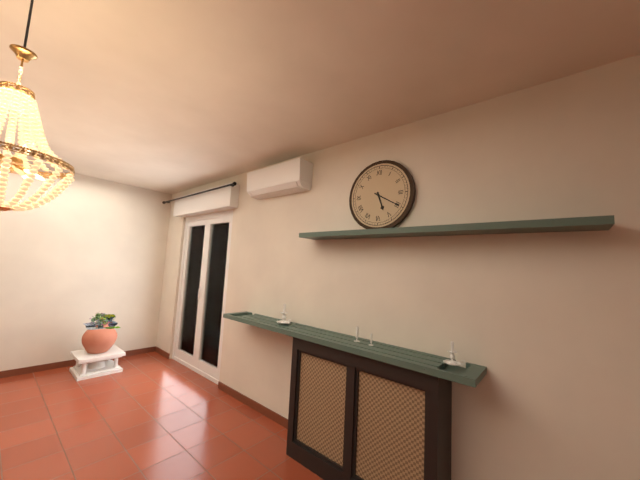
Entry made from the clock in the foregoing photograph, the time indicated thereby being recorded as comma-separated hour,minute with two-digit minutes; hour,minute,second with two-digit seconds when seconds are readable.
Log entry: 5,20
